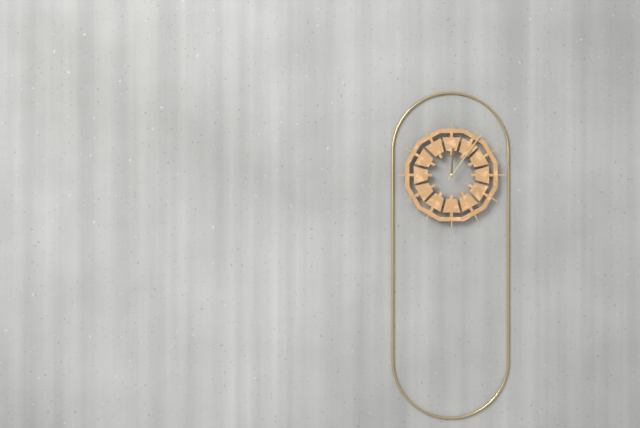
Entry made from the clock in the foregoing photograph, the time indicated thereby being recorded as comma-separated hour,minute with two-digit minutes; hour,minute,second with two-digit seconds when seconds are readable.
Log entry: 12,06
